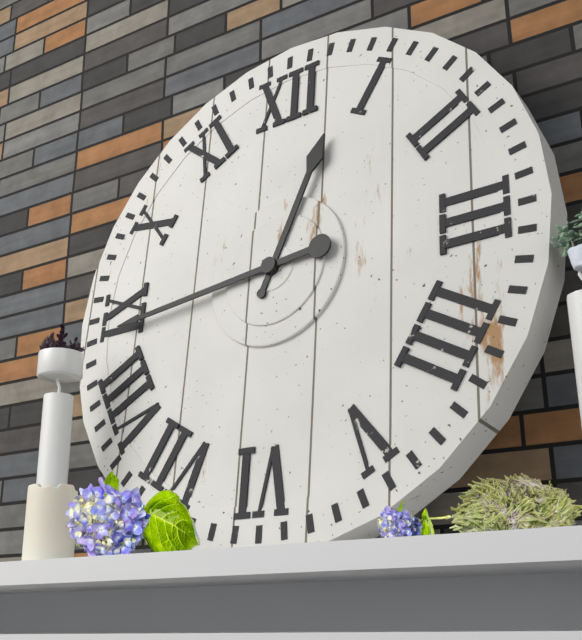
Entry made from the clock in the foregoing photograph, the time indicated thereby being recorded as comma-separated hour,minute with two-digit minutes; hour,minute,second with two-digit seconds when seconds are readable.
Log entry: 12,44
